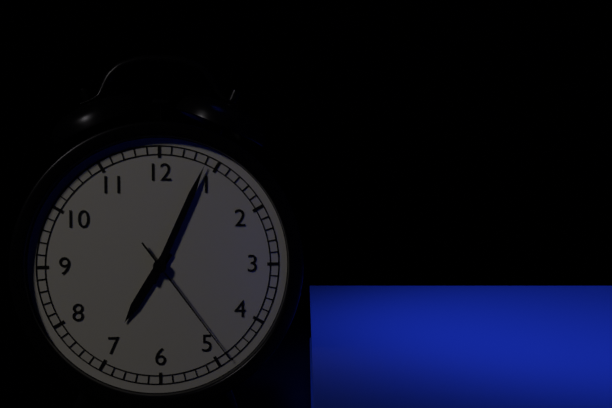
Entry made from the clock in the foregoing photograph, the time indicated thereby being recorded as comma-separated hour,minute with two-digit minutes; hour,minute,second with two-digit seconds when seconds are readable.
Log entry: 7,04,24
